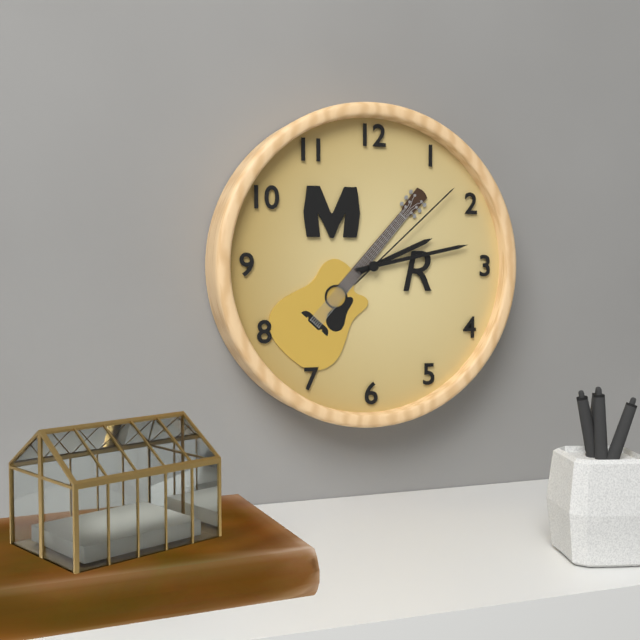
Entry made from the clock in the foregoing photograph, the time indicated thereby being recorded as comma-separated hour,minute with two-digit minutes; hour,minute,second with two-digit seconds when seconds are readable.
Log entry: 2,13,08
